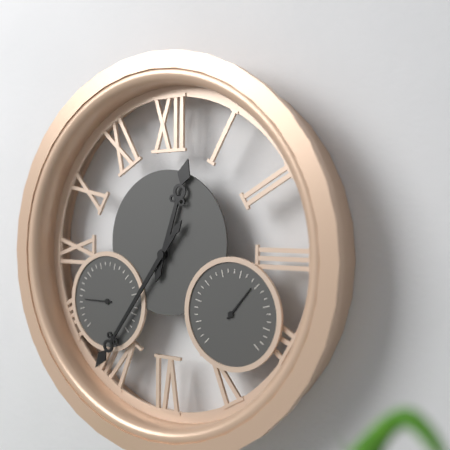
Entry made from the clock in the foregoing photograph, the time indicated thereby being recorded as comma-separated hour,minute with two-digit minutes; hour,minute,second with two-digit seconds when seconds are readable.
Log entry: 12,36
